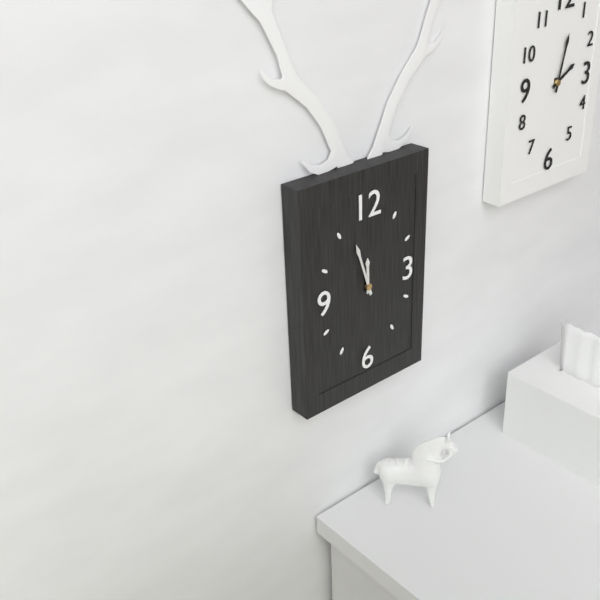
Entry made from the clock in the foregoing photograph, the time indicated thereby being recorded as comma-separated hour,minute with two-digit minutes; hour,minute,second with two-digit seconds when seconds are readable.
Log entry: 11,57
